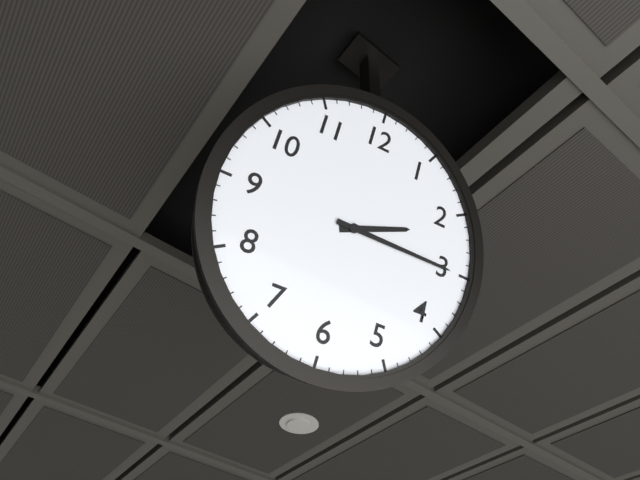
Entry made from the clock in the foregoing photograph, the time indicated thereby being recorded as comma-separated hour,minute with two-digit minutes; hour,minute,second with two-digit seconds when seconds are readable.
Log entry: 2,15
